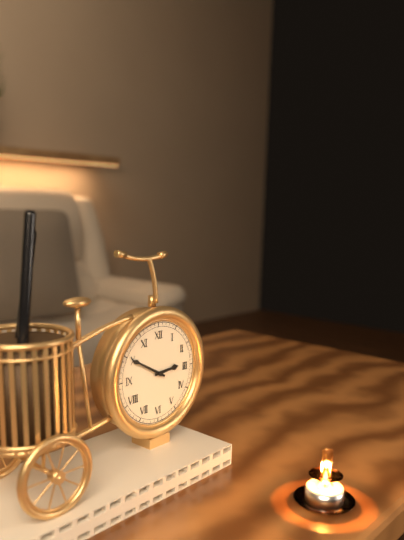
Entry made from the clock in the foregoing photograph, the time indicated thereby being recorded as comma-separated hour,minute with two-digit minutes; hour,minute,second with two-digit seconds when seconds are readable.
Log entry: 2,50
